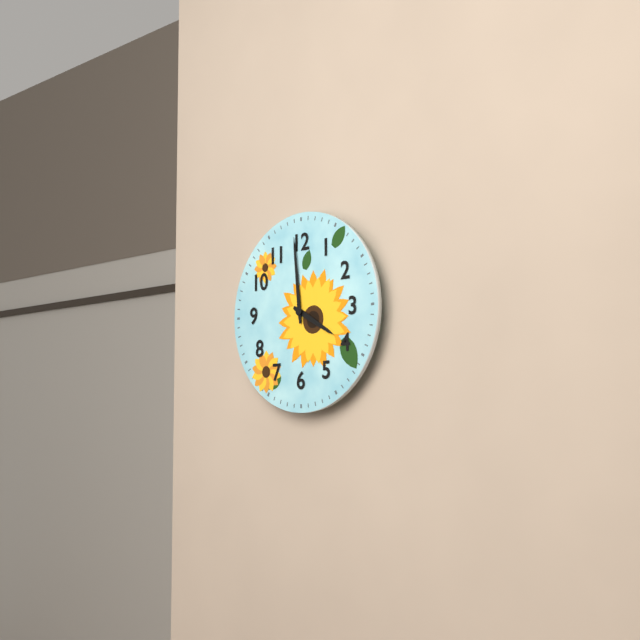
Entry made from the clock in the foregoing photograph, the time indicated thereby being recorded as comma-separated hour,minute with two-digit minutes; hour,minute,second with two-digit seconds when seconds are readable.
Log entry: 3,59
